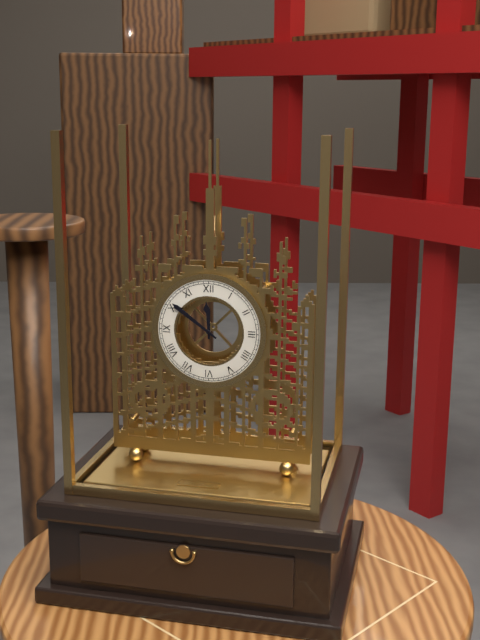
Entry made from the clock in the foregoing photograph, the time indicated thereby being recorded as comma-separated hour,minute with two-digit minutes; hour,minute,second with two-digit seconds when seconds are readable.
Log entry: 11,51
